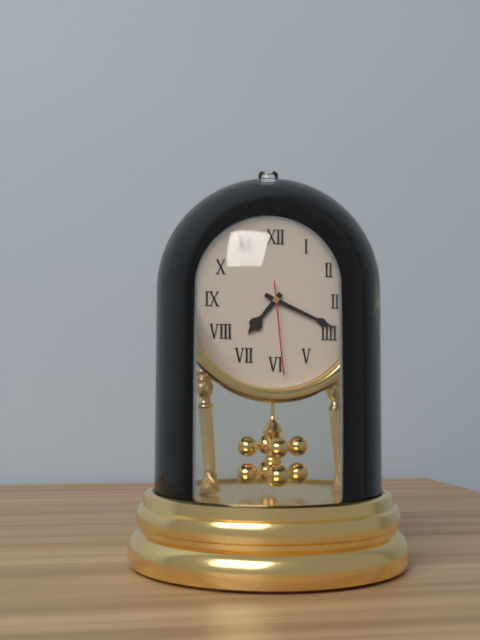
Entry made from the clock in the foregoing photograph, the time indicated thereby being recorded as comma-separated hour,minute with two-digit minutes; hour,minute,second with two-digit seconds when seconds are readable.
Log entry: 7,19,29
